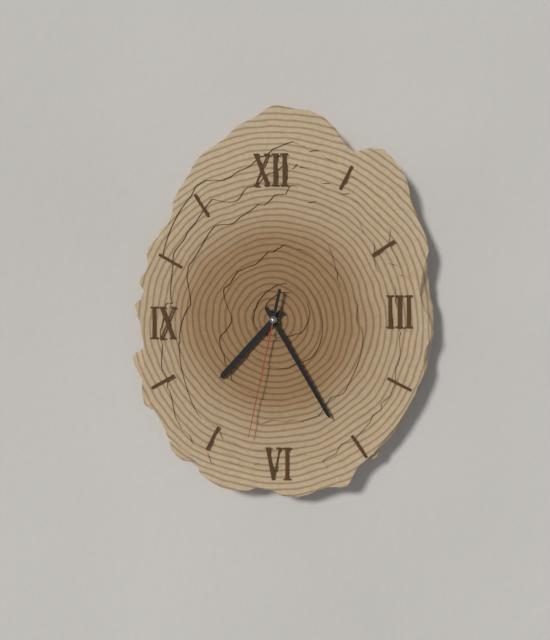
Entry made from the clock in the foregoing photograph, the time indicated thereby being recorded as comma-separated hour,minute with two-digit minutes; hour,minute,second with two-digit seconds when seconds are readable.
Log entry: 7,25,32
